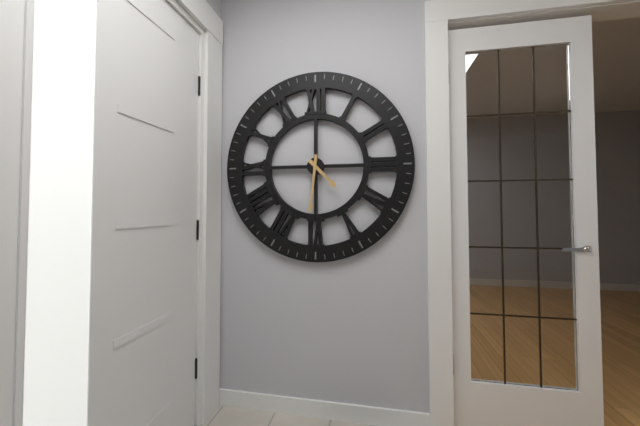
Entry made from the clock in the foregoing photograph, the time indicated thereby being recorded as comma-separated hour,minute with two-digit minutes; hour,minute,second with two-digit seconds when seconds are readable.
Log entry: 4,31
